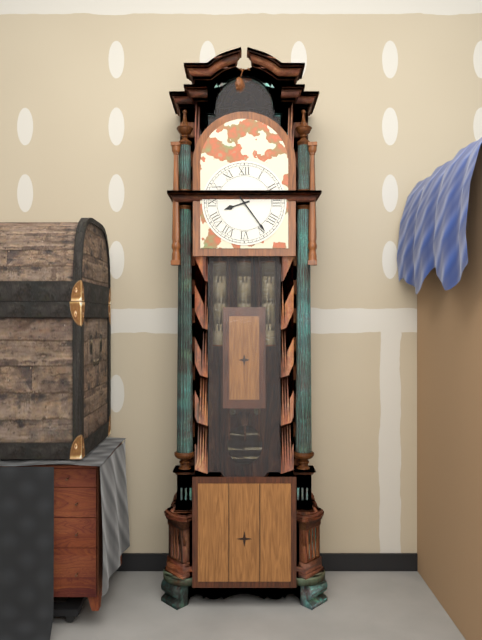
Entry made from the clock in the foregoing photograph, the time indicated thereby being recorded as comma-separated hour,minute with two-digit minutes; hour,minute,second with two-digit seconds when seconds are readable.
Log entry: 8,24
